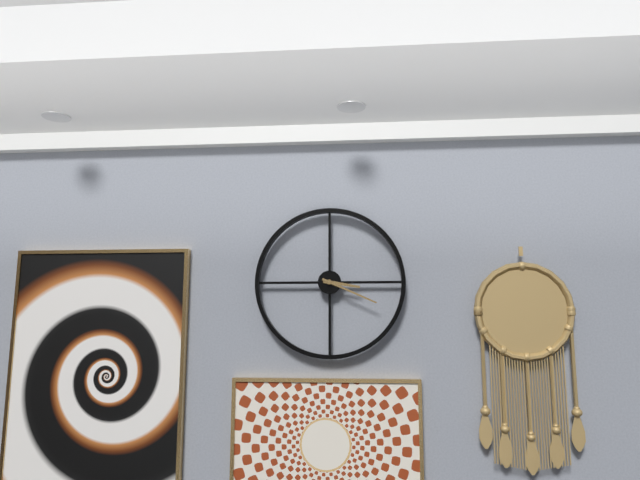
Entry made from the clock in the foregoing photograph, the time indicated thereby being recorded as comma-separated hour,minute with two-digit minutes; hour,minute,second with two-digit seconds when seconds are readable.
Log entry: 3,19
